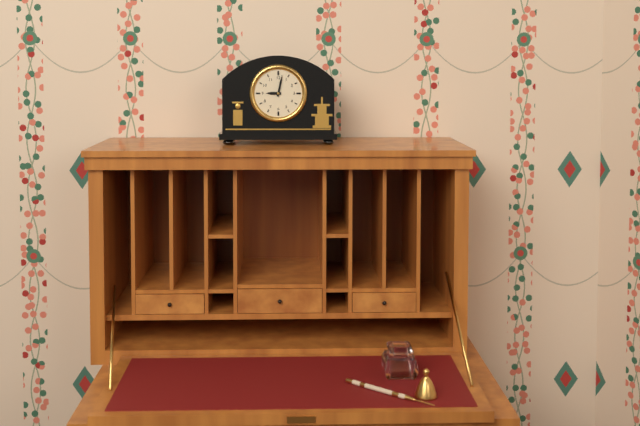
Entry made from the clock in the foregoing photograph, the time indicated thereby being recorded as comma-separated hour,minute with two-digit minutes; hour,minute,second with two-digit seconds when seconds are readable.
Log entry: 9,02
